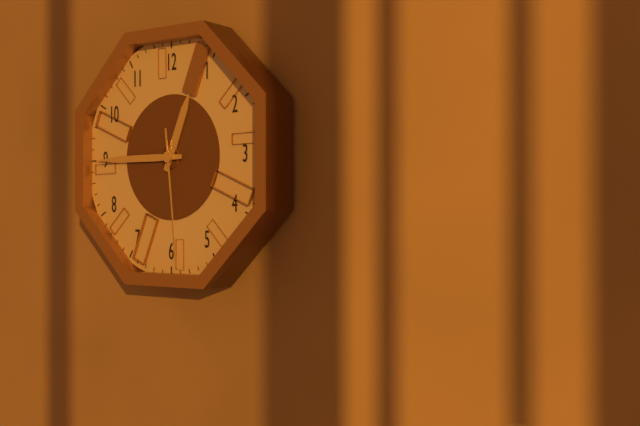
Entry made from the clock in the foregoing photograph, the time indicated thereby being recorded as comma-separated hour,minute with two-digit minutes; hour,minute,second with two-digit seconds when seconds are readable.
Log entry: 12,45,29
